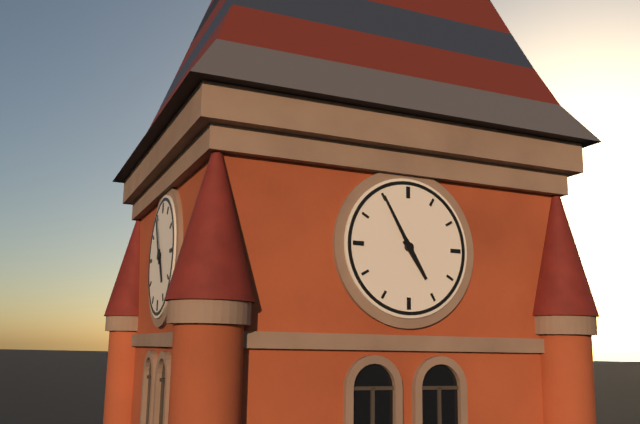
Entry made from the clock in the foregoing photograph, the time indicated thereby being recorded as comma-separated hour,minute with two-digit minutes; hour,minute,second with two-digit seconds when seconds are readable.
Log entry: 4,55
